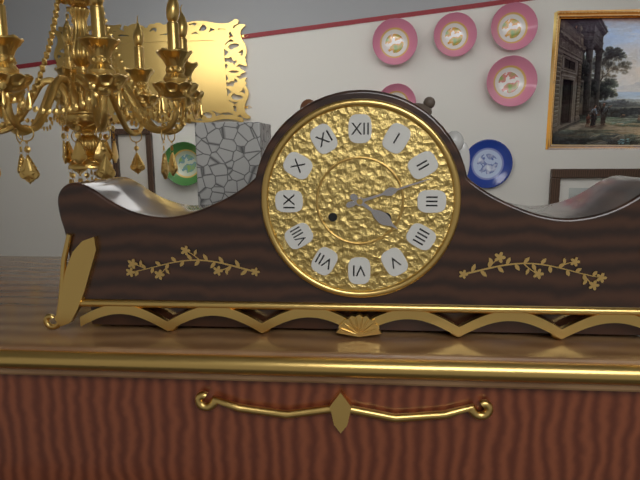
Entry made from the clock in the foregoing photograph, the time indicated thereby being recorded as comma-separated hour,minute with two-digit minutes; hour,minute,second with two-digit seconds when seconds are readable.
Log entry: 4,12
